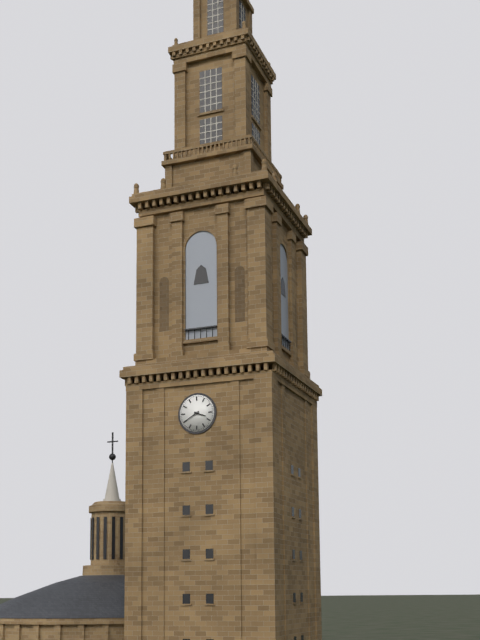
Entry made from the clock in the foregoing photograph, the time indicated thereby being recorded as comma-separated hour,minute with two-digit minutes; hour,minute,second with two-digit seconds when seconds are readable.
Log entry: 3,40
